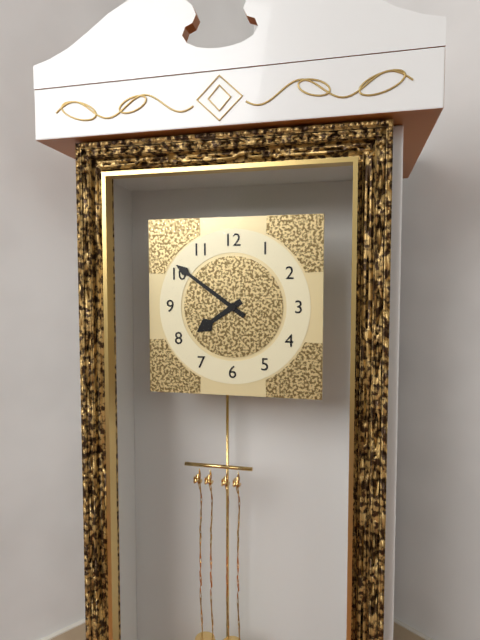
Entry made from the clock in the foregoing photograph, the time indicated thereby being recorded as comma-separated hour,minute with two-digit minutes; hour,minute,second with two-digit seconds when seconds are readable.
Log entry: 7,51
